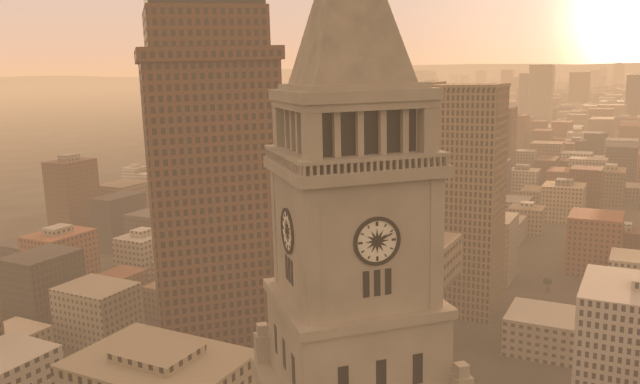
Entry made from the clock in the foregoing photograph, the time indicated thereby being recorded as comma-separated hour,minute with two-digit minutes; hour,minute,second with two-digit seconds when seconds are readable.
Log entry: 2,11
